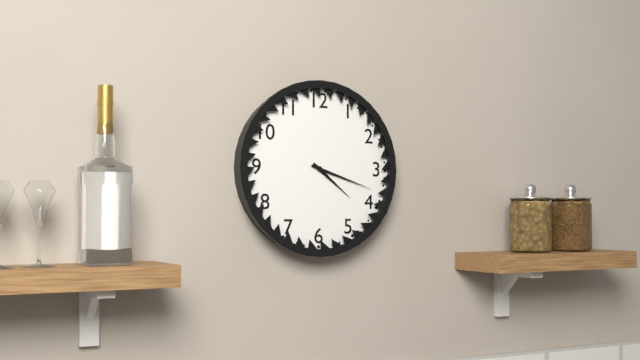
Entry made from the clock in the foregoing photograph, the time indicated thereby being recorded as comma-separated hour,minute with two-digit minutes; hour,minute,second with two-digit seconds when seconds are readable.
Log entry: 4,18
